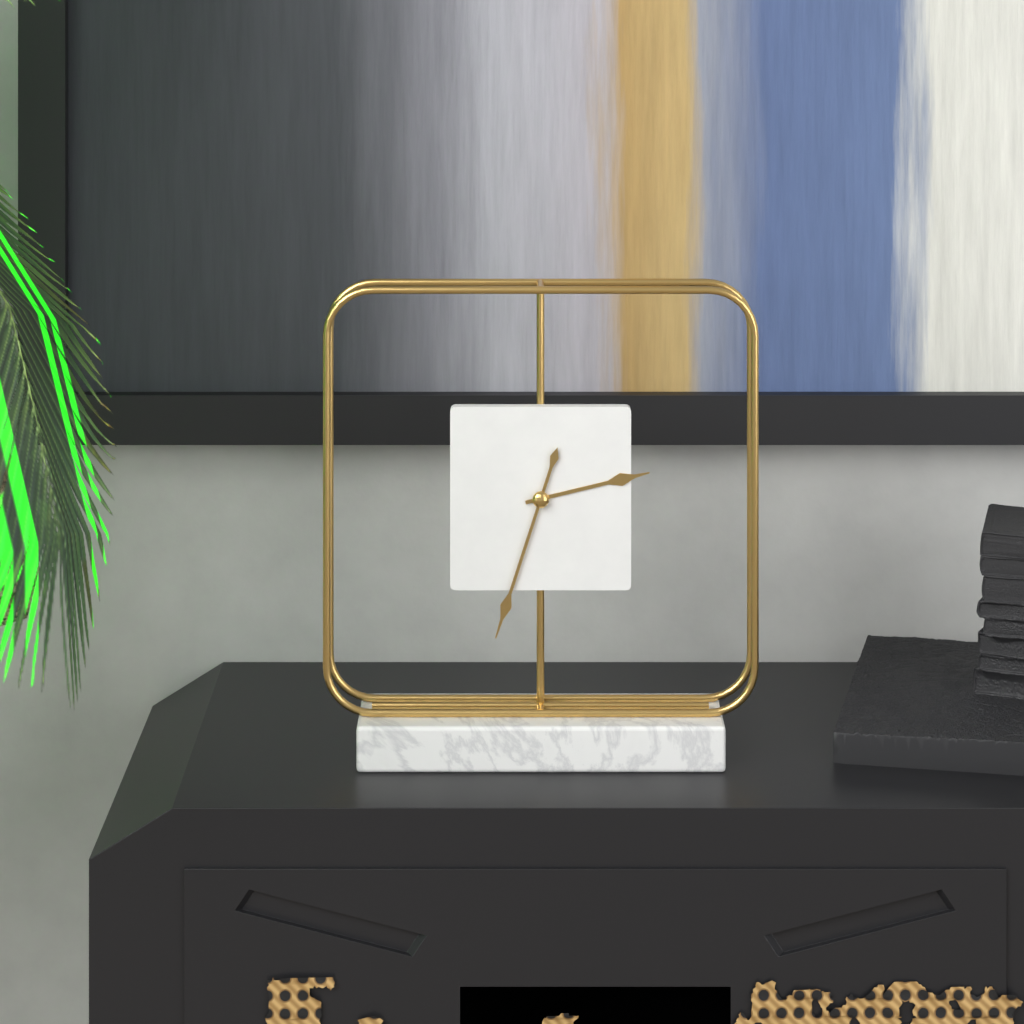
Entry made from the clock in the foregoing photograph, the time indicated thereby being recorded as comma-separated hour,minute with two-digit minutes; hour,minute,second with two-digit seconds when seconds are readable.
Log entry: 2,33
